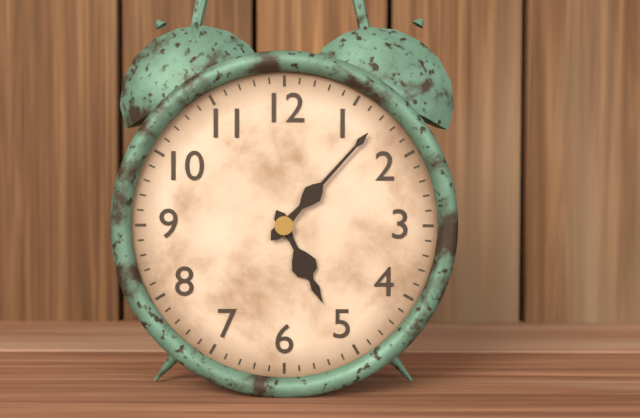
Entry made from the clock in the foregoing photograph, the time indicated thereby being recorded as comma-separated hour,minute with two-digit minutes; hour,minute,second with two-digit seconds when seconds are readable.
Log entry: 5,07
